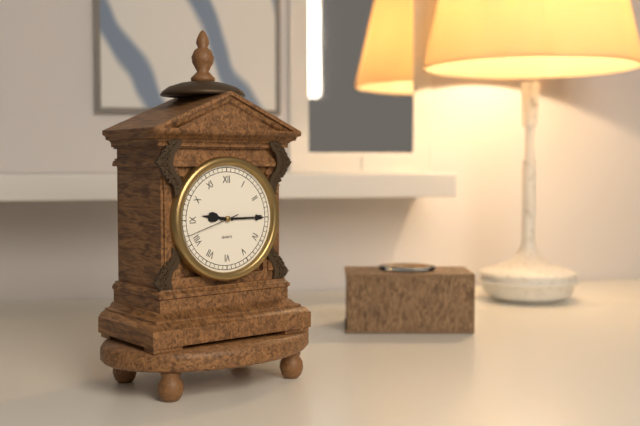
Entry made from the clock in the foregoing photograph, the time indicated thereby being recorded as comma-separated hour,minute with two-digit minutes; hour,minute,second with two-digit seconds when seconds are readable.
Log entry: 9,15,42
